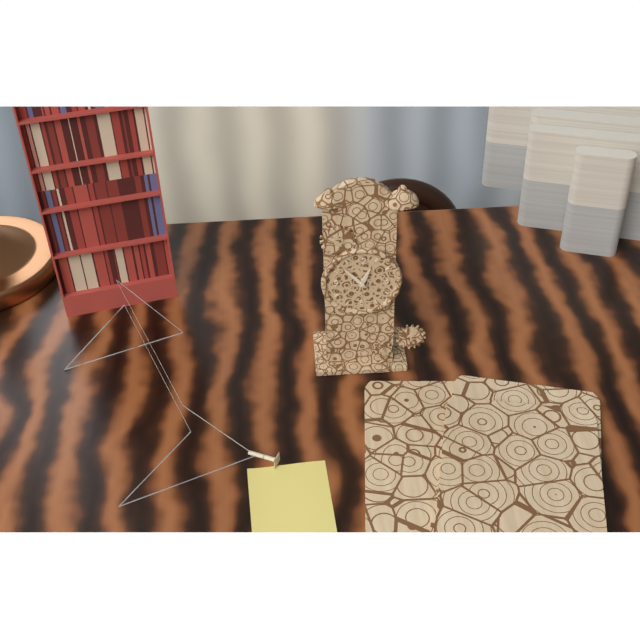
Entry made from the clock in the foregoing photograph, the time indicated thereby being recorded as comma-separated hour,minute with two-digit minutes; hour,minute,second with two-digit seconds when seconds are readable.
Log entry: 12,53
